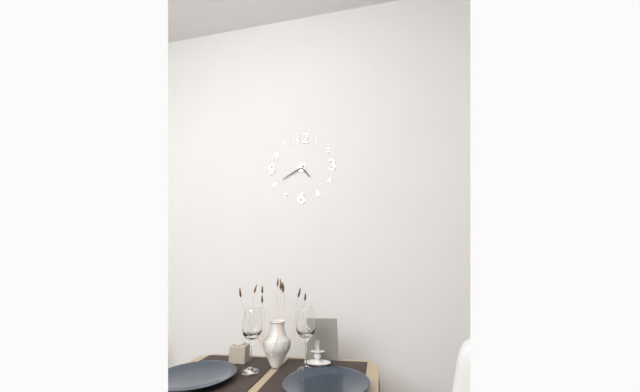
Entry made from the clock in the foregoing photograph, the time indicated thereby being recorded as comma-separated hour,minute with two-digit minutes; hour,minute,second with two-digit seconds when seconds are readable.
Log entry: 4,40
